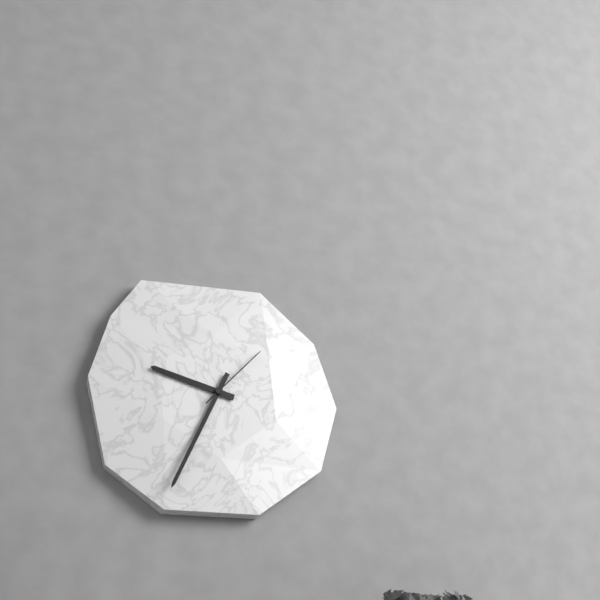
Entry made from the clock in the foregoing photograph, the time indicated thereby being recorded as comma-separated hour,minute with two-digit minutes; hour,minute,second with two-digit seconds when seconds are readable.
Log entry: 9,34,07
